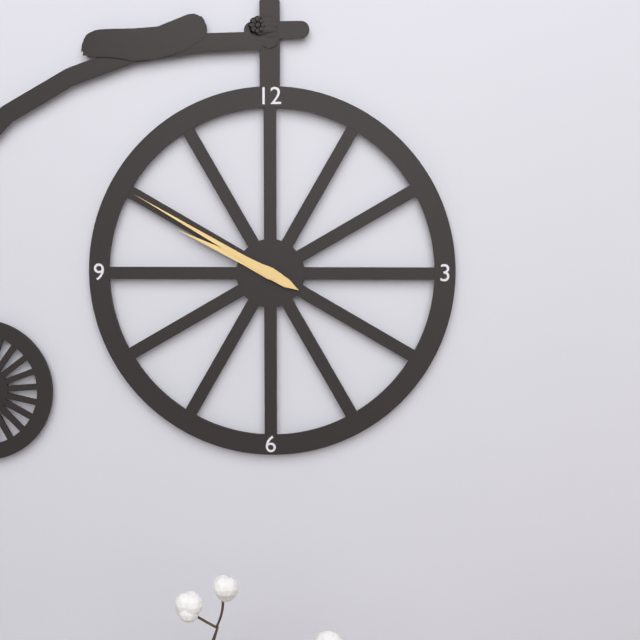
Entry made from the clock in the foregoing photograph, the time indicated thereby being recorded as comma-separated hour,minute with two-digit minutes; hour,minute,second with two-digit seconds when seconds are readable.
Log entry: 9,50
